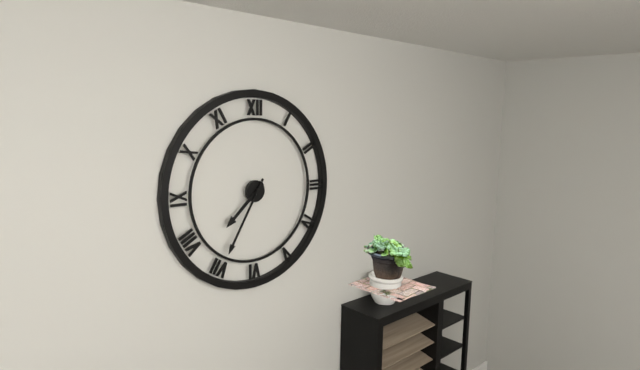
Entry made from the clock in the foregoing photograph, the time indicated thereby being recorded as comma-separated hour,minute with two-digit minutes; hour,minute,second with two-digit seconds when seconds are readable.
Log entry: 7,35
